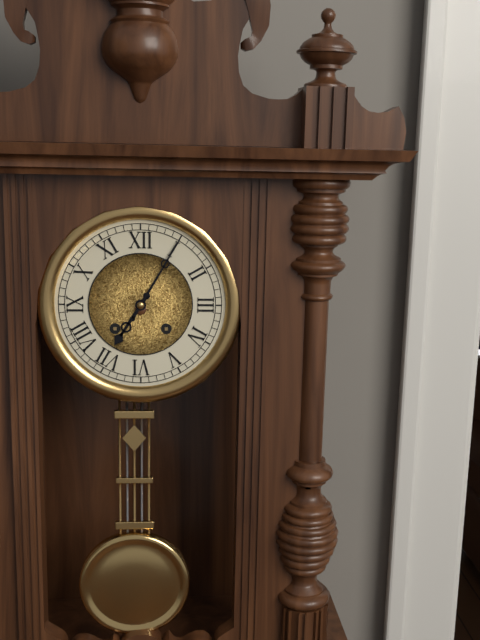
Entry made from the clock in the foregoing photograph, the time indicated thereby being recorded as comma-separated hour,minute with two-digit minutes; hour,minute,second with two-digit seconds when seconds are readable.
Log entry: 7,05
